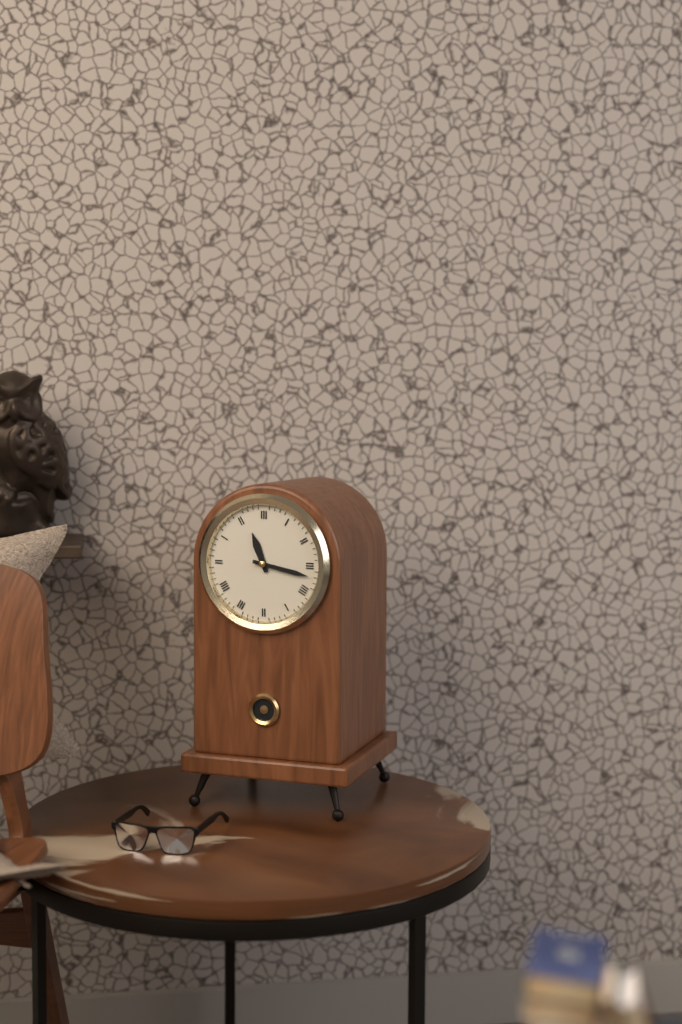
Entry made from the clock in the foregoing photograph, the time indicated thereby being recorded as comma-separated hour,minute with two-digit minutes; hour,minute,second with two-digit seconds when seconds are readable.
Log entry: 11,17
